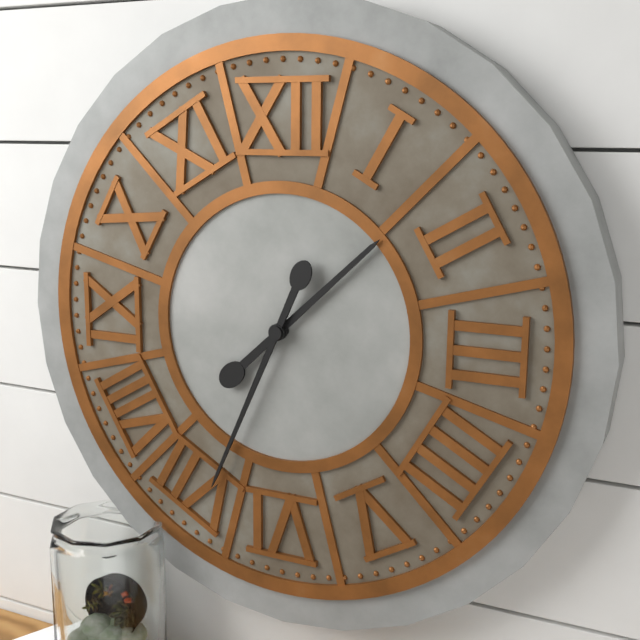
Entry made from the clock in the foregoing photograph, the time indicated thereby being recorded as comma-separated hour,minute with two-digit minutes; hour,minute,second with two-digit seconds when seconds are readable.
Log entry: 1,34
